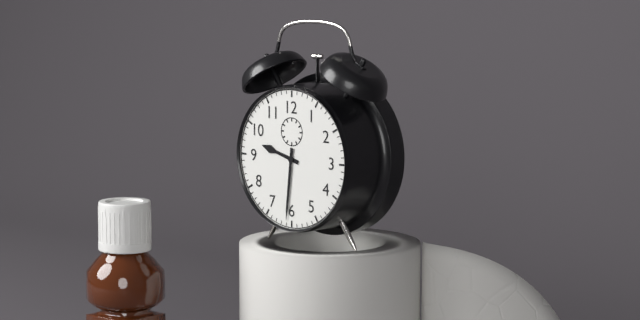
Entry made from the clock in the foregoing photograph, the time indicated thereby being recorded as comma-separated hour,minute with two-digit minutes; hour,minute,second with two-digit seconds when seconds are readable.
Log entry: 9,31
